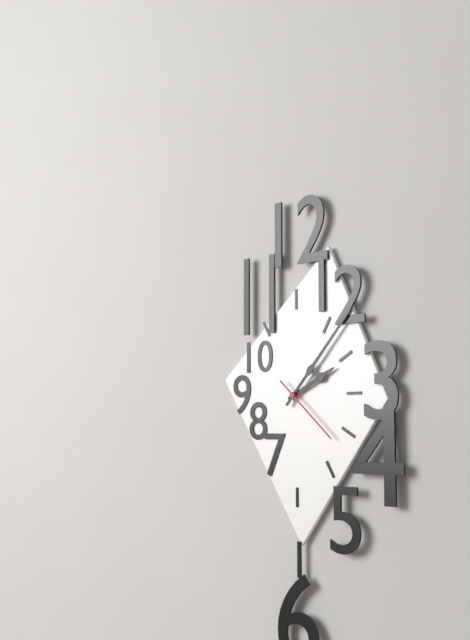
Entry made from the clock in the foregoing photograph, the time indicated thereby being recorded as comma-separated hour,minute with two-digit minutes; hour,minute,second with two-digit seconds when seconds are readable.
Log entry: 2,07,22
